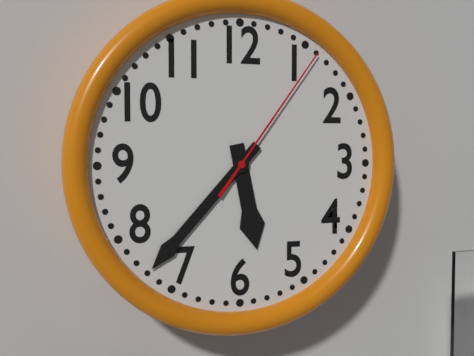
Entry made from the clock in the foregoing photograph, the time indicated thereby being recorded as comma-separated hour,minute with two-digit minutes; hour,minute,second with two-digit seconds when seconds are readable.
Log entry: 5,37,06
